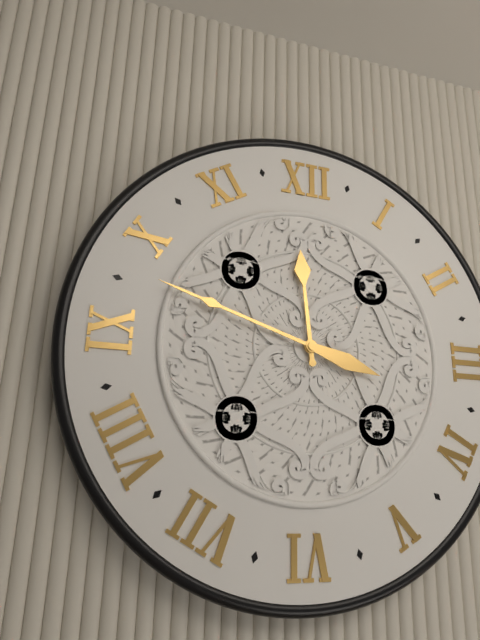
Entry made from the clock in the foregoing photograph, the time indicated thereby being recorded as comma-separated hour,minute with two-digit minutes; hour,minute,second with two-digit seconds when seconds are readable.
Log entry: 11,48
